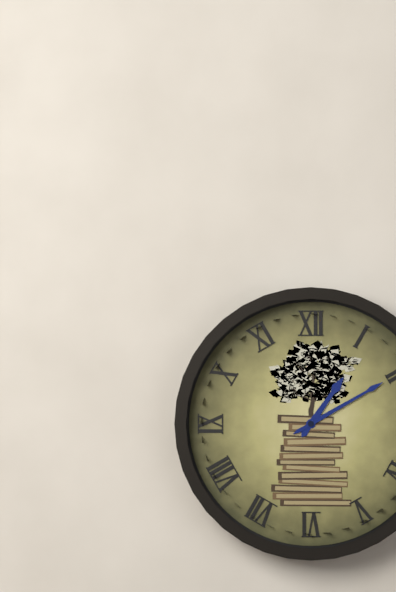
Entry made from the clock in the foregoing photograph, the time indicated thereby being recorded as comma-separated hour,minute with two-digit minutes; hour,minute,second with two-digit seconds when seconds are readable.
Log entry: 1,10
